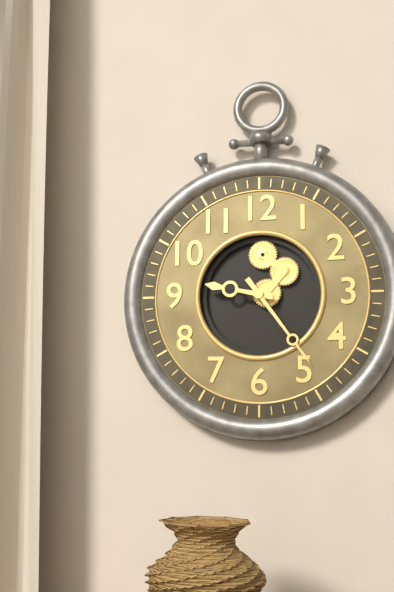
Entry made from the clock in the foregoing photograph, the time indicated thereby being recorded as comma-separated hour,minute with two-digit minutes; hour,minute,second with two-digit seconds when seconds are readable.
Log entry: 9,24
